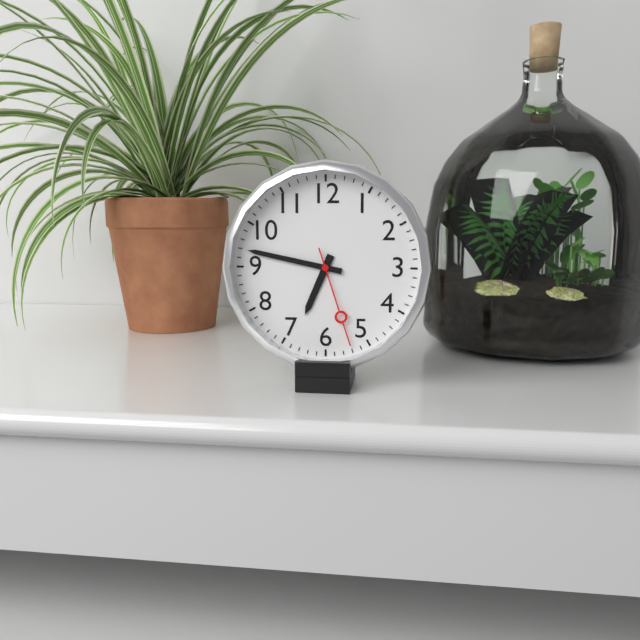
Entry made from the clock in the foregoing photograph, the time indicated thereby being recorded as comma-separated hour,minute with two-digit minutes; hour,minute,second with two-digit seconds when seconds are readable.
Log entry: 6,47,27
